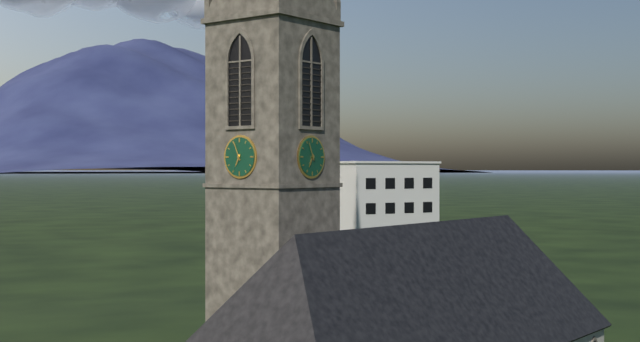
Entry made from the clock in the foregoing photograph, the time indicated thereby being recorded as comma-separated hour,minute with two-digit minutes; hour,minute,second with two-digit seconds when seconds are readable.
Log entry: 6,56
